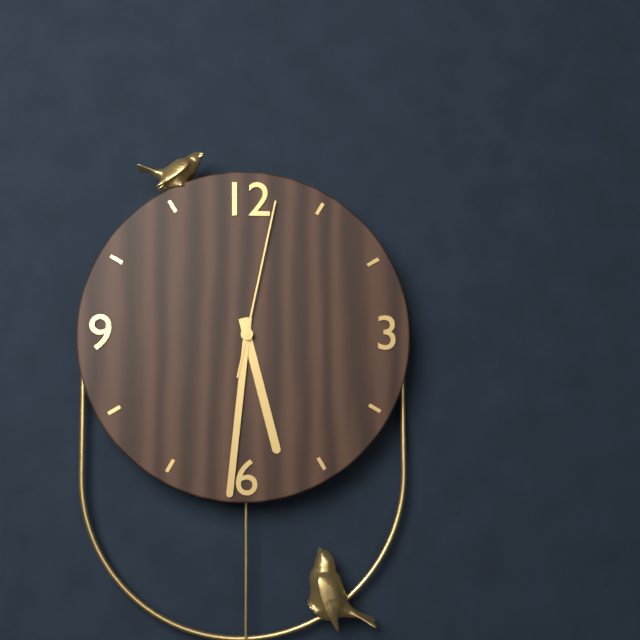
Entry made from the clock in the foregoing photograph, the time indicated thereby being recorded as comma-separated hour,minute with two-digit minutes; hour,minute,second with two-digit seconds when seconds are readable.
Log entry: 5,31,02
